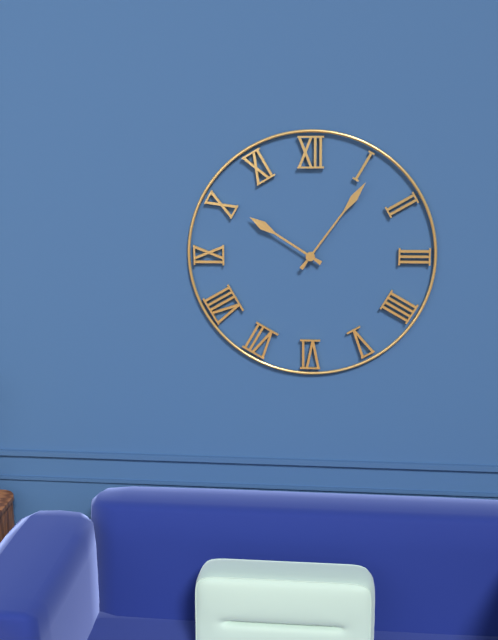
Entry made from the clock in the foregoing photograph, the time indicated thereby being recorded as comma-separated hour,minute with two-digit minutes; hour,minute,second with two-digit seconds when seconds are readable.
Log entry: 10,06
